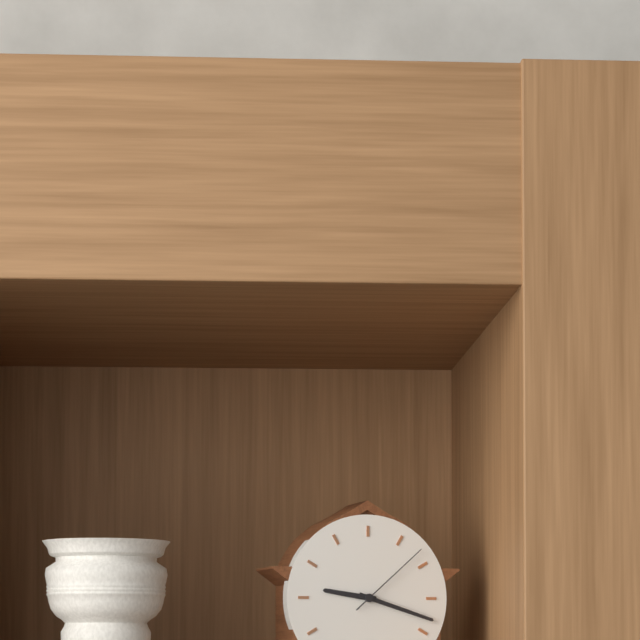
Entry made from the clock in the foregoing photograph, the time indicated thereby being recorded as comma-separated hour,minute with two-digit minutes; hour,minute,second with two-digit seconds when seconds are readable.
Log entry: 9,18,08
